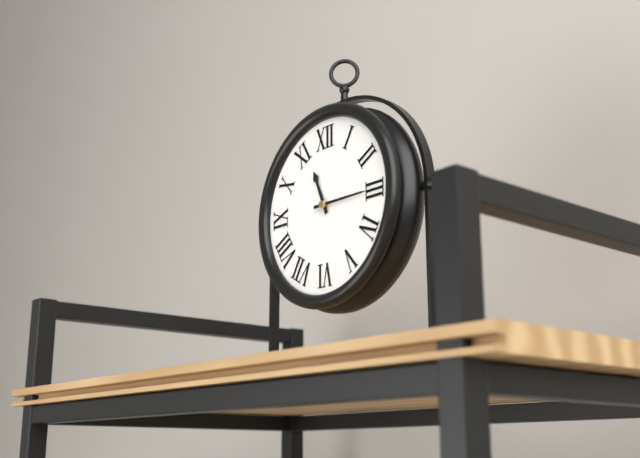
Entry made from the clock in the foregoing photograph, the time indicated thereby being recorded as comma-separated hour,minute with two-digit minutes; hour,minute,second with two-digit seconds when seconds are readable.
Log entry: 11,15
